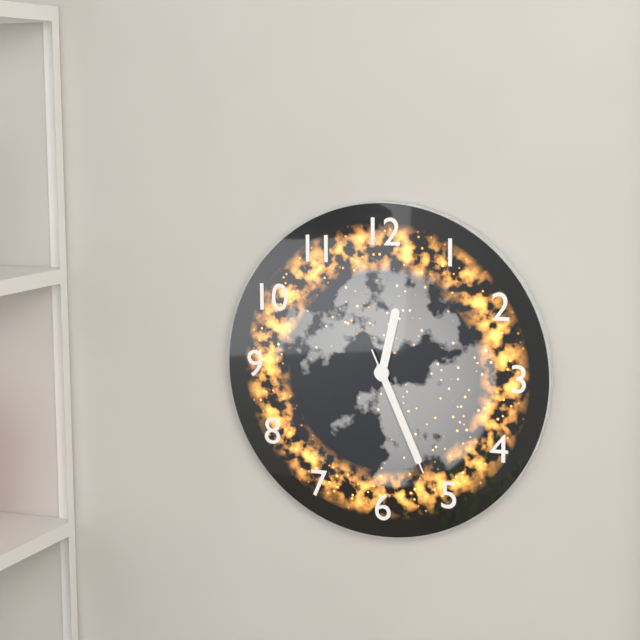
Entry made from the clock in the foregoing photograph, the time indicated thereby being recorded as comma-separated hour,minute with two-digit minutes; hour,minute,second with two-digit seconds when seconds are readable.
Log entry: 12,26,26
